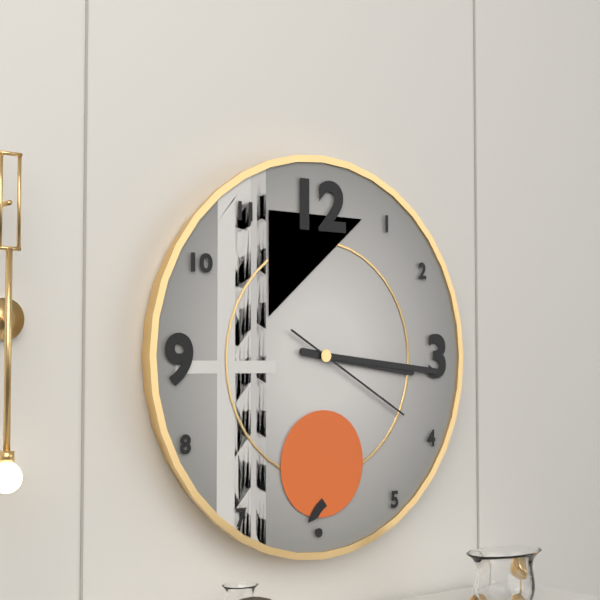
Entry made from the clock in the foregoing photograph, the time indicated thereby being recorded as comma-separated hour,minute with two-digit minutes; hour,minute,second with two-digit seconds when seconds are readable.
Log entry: 3,16,20
